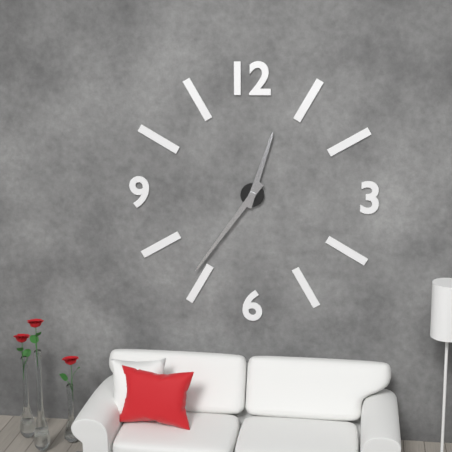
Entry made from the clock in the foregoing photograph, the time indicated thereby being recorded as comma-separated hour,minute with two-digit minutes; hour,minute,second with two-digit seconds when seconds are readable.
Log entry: 12,36
